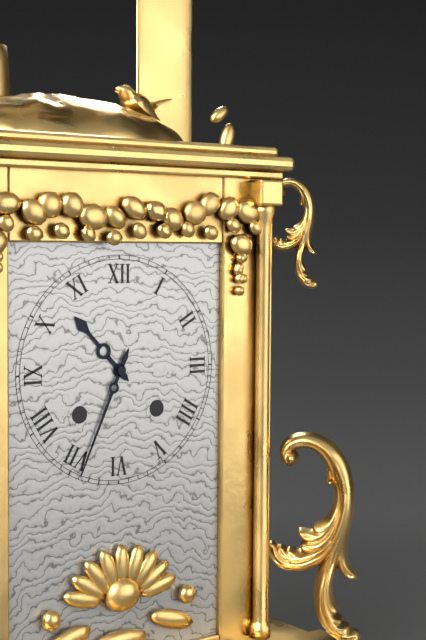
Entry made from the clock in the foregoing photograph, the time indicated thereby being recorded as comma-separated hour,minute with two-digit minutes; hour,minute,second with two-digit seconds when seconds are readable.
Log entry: 10,34
